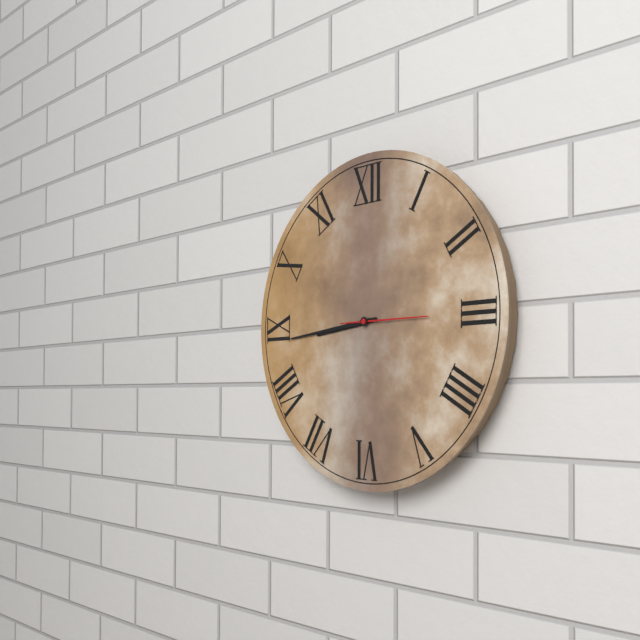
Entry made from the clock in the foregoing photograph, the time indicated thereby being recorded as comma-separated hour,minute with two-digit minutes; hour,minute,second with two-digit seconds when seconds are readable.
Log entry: 8,44,15
